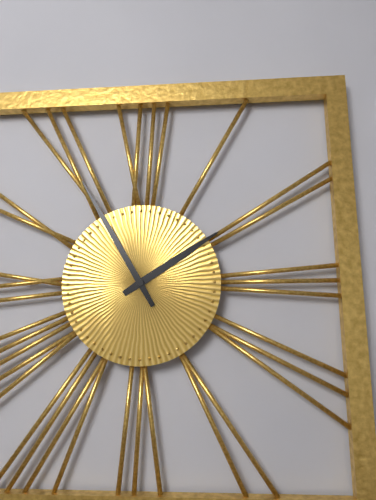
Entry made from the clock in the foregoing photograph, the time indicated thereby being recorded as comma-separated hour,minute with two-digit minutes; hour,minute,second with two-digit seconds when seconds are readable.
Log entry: 1,55
